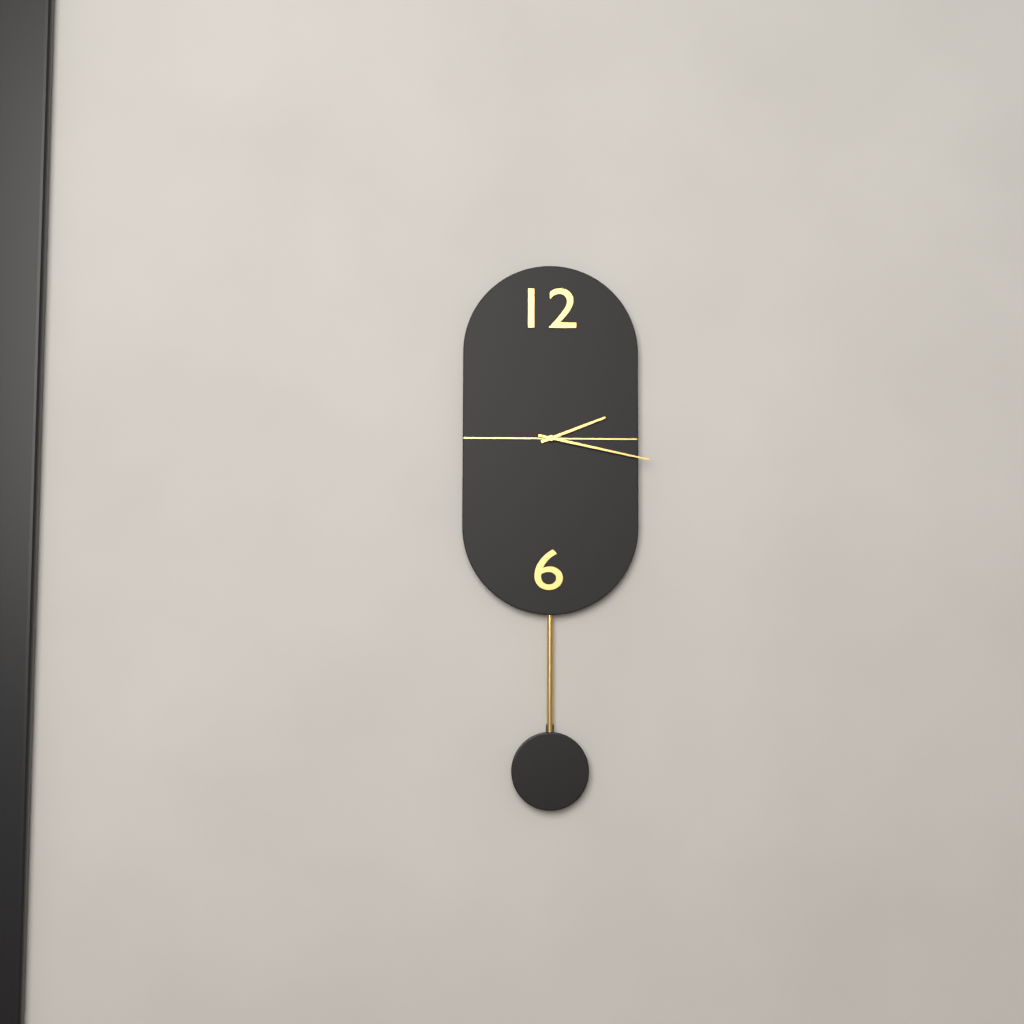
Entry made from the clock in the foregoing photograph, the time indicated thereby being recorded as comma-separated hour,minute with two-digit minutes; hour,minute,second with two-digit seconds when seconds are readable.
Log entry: 2,17
